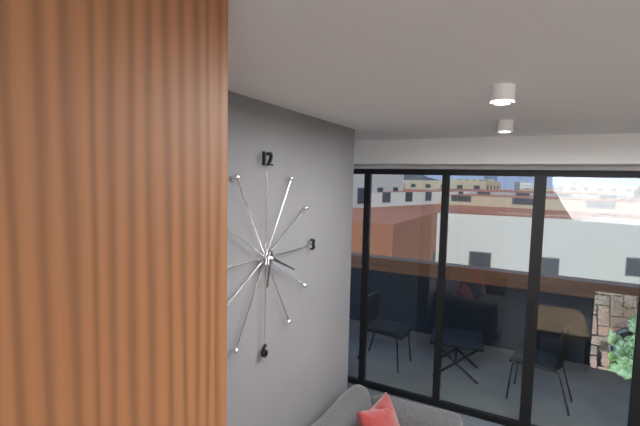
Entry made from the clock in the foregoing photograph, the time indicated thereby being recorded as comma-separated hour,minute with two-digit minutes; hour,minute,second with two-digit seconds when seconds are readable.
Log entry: 6,19
